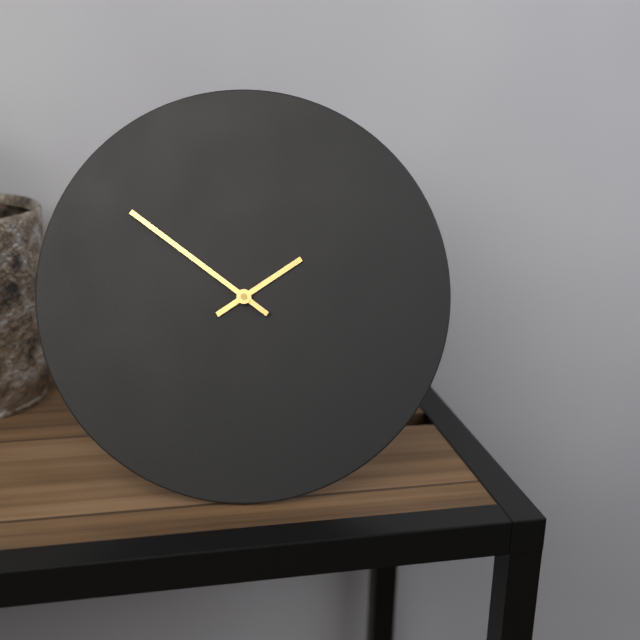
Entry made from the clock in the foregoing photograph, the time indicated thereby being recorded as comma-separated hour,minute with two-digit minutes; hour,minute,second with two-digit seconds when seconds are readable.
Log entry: 1,51
